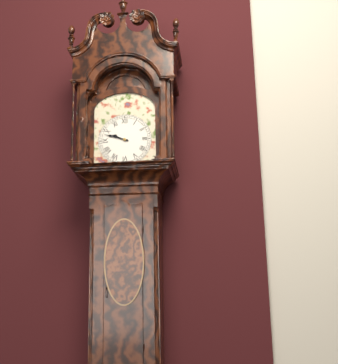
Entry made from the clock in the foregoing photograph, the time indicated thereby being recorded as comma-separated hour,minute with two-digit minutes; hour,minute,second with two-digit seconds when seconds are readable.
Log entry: 9,48
